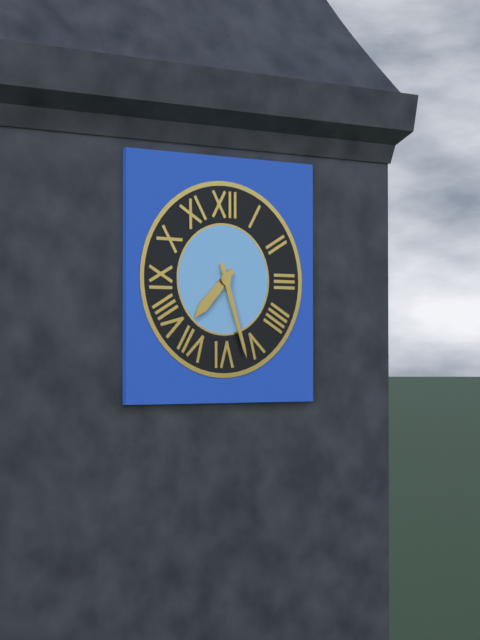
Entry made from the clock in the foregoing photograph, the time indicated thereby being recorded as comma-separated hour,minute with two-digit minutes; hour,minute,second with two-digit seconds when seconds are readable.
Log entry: 7,27
